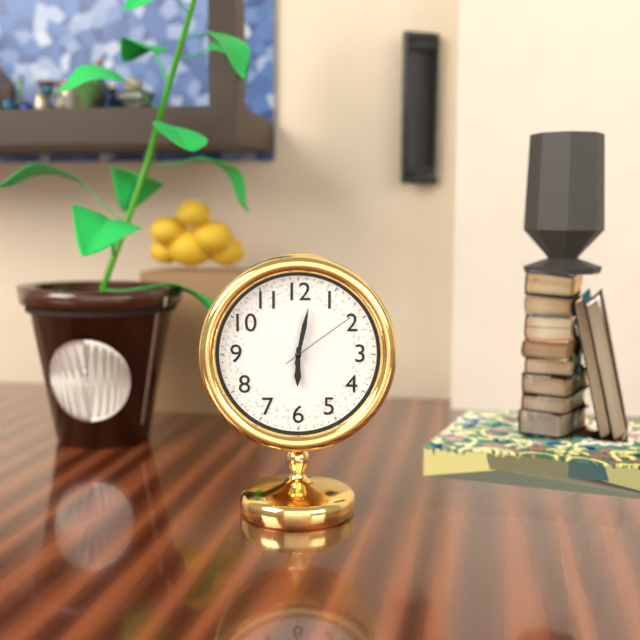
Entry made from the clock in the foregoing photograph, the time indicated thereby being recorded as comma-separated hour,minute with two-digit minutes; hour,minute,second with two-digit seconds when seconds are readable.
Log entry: 6,02,09
